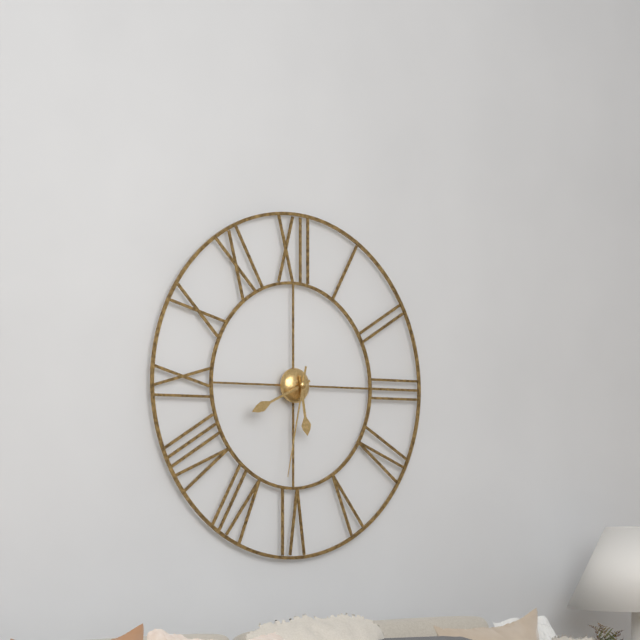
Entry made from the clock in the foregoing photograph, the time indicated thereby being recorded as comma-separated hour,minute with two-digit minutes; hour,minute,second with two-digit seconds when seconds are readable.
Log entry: 5,41,32
